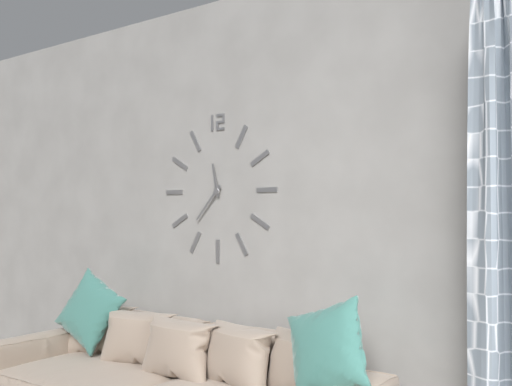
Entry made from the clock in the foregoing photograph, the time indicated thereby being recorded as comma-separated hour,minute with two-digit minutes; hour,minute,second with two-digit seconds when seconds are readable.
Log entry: 11,37
